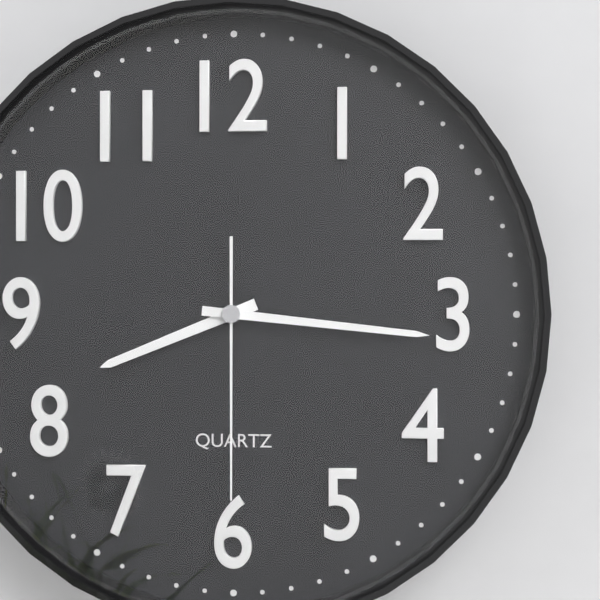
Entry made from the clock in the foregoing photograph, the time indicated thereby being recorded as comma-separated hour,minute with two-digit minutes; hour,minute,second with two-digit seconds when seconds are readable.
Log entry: 8,16,30
